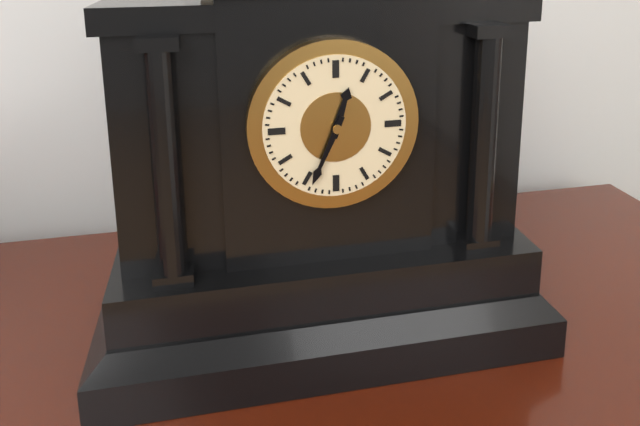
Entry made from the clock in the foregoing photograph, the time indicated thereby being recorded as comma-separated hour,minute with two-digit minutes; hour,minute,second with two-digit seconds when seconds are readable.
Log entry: 12,34
